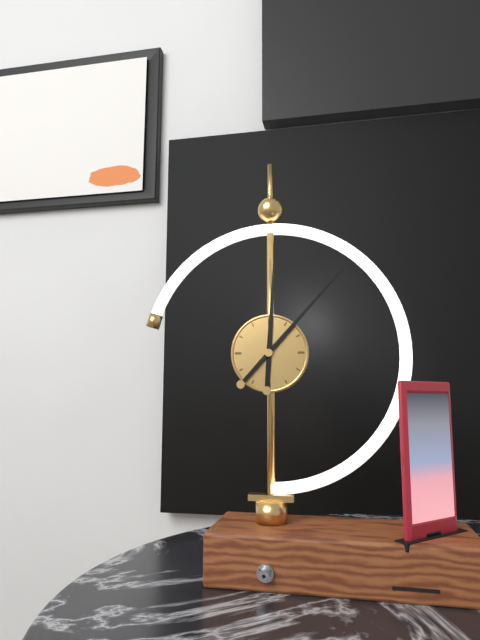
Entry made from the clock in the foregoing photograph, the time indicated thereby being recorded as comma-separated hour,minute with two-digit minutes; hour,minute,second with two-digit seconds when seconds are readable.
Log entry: 12,07
